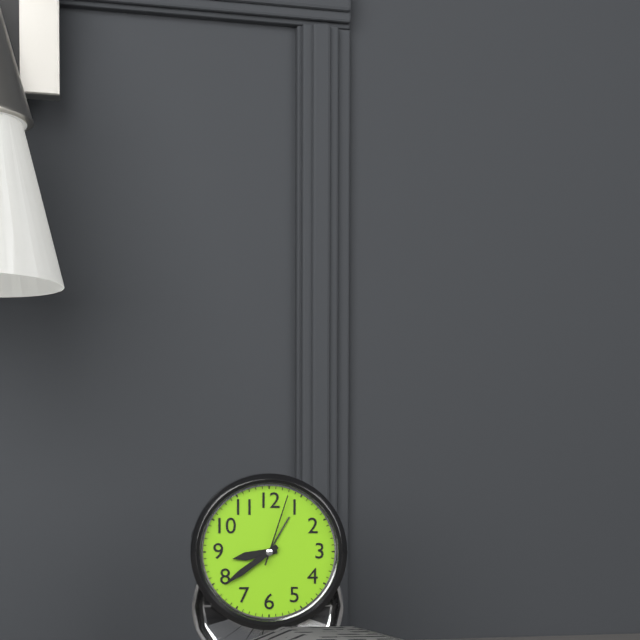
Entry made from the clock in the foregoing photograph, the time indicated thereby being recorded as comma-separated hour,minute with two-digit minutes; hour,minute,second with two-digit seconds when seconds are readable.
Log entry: 8,39,03
